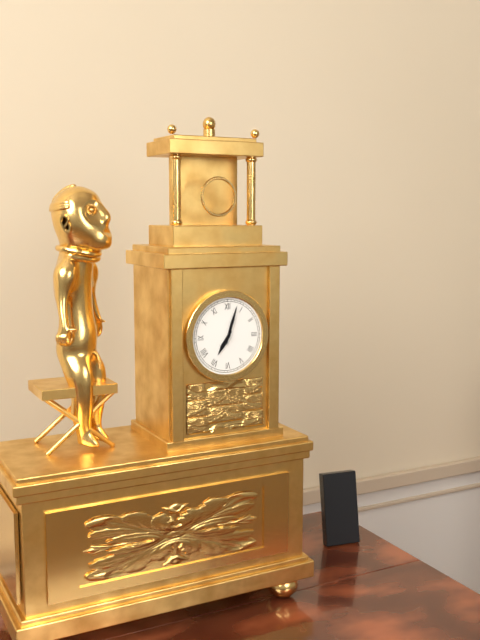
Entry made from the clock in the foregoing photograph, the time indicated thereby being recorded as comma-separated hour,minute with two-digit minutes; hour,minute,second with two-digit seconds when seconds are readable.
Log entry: 7,03
